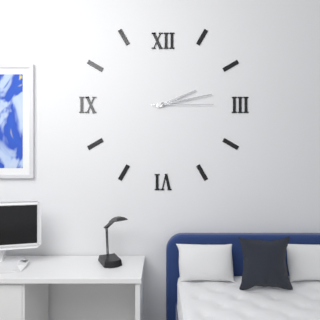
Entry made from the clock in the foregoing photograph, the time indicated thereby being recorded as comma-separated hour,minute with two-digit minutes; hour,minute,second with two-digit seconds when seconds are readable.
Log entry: 2,13,15
